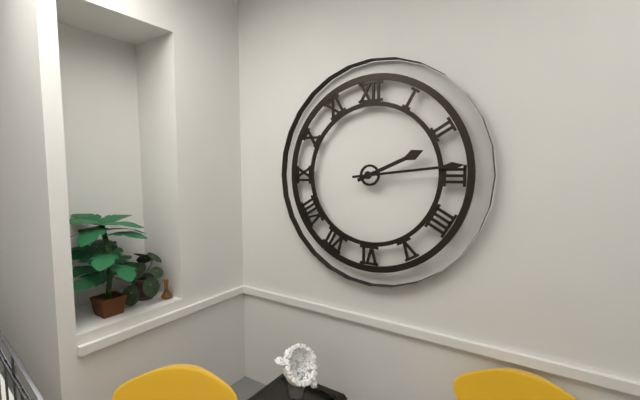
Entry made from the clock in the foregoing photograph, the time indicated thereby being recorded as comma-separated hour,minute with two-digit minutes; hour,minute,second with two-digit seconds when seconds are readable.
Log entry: 2,14
